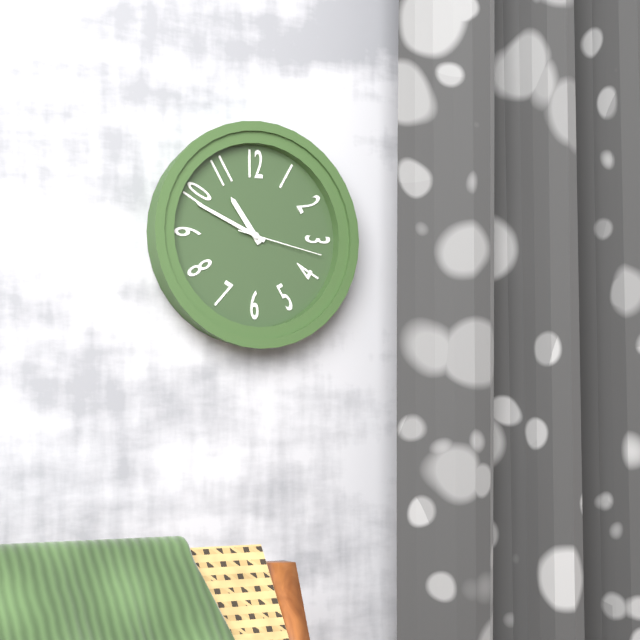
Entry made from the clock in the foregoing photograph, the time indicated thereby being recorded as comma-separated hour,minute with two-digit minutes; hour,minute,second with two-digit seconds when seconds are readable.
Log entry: 10,49,17
